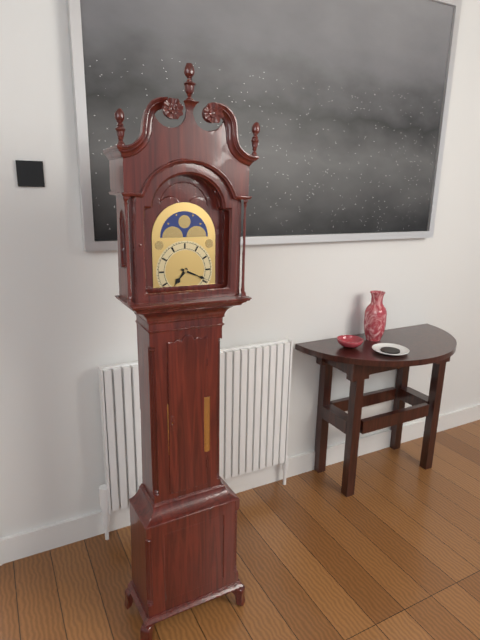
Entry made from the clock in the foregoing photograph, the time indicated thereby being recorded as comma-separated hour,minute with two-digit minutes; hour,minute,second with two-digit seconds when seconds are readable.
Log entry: 7,19
